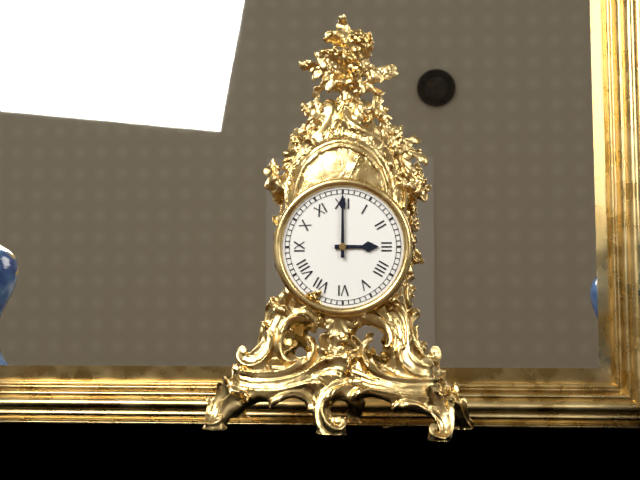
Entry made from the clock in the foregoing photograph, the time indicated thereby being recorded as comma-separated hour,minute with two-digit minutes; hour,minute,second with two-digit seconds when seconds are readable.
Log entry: 3,00
